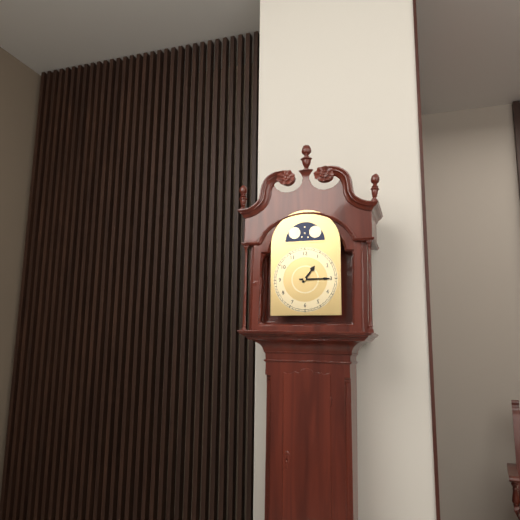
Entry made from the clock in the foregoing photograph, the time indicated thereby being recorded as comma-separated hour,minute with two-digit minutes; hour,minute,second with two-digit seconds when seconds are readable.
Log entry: 1,15
